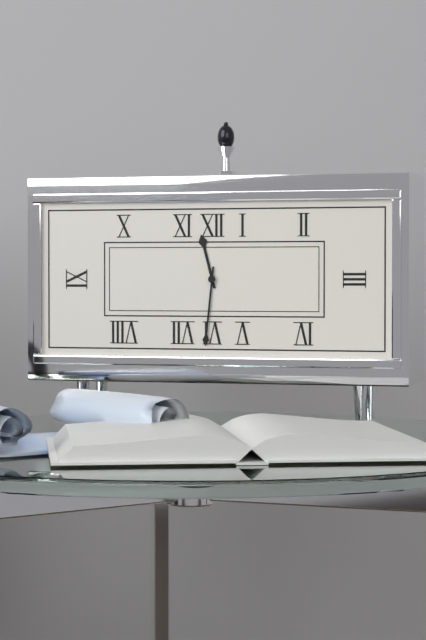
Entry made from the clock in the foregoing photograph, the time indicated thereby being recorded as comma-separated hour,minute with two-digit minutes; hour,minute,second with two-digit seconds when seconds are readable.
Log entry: 11,31
